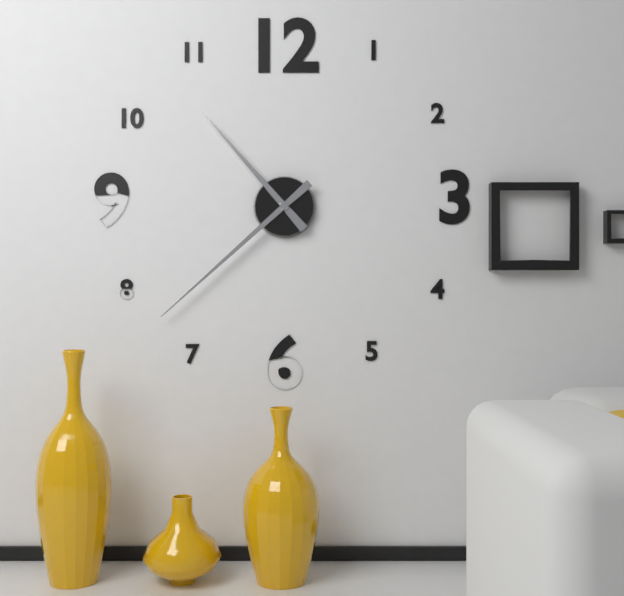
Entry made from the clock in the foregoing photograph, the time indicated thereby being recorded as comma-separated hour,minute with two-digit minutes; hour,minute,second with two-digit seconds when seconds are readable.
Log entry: 10,38
